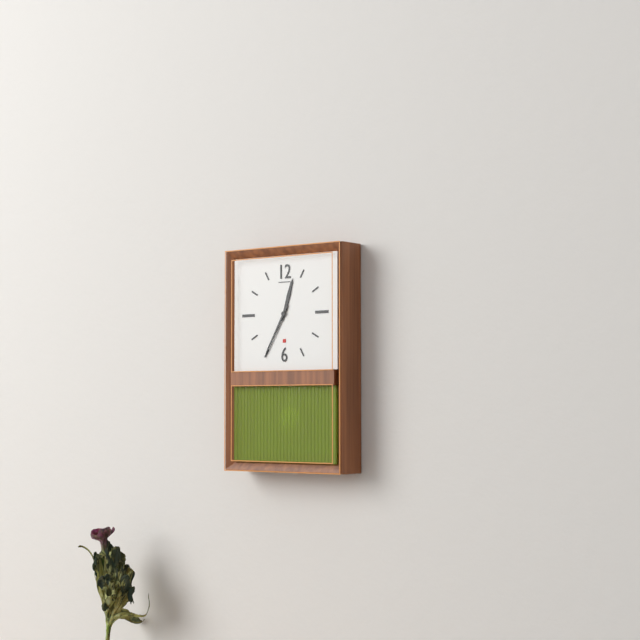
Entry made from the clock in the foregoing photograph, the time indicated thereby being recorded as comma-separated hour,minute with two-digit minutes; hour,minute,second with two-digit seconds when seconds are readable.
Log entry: 12,35
